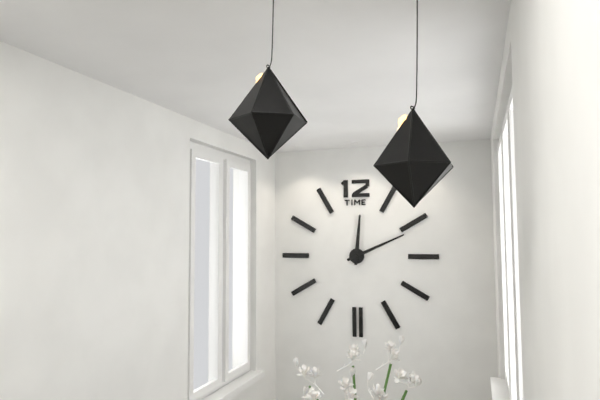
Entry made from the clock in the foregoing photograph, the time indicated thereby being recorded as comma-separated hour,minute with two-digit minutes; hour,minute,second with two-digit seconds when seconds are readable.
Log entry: 12,11
